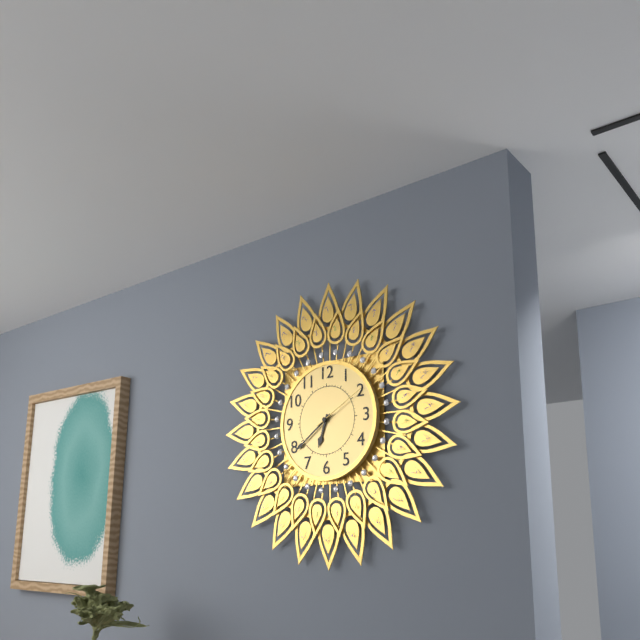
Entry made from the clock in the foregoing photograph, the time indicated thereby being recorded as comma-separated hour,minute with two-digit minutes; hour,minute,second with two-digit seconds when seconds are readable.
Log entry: 6,39,10
